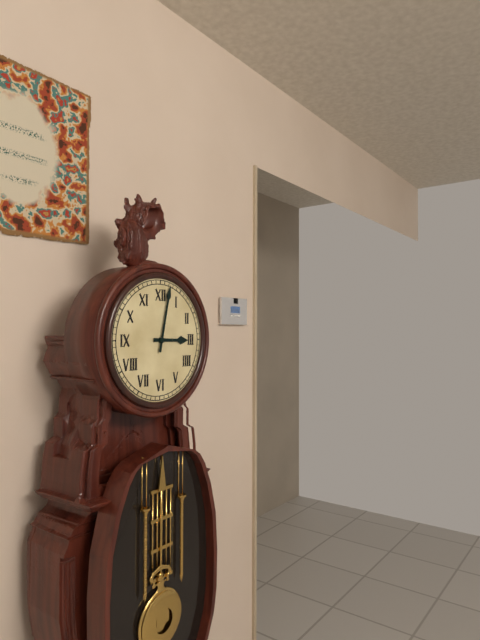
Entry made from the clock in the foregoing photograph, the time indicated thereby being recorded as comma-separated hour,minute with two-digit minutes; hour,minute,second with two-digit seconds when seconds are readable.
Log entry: 3,02
